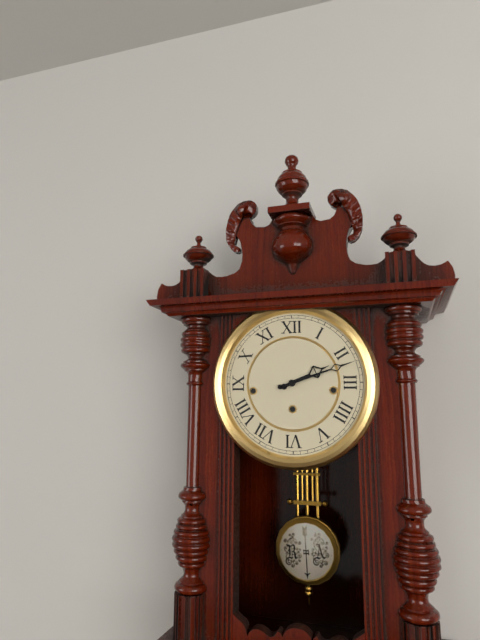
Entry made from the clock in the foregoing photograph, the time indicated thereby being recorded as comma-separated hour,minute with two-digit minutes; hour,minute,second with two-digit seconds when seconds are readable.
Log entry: 2,12
